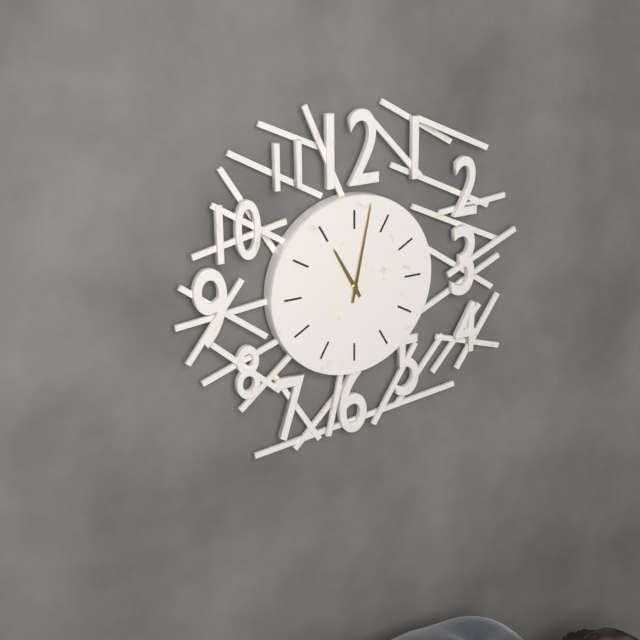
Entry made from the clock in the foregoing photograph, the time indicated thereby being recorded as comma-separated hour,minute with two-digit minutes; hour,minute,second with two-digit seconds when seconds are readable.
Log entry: 11,02
